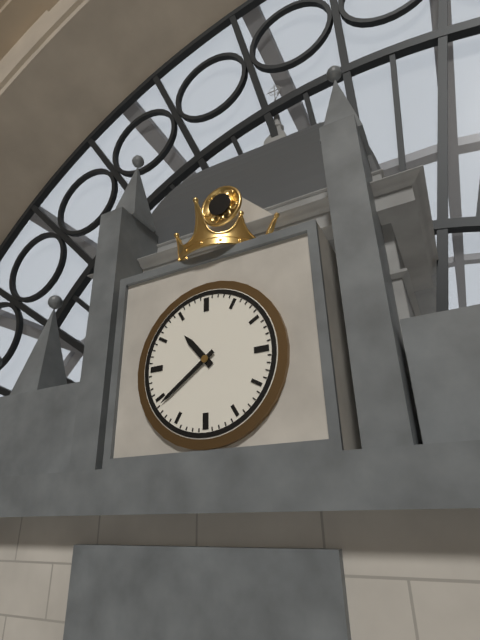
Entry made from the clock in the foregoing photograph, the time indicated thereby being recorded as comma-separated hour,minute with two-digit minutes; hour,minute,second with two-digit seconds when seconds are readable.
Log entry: 10,39
